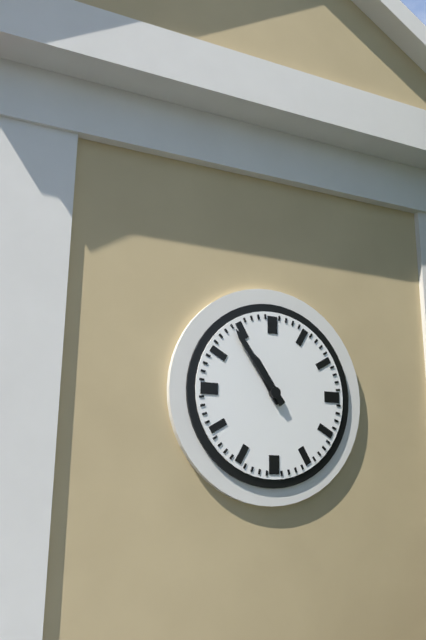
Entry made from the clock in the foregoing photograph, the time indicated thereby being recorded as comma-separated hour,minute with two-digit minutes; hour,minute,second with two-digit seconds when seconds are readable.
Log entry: 10,54
